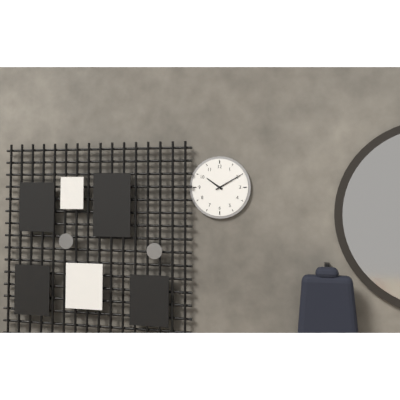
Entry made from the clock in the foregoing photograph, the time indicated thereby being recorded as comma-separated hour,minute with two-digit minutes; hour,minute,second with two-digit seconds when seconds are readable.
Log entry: 10,10
